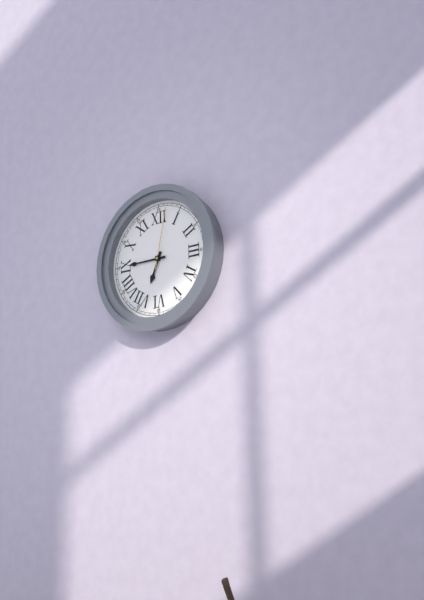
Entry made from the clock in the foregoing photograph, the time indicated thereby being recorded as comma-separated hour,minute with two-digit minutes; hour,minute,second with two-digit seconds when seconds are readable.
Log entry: 6,45,02
